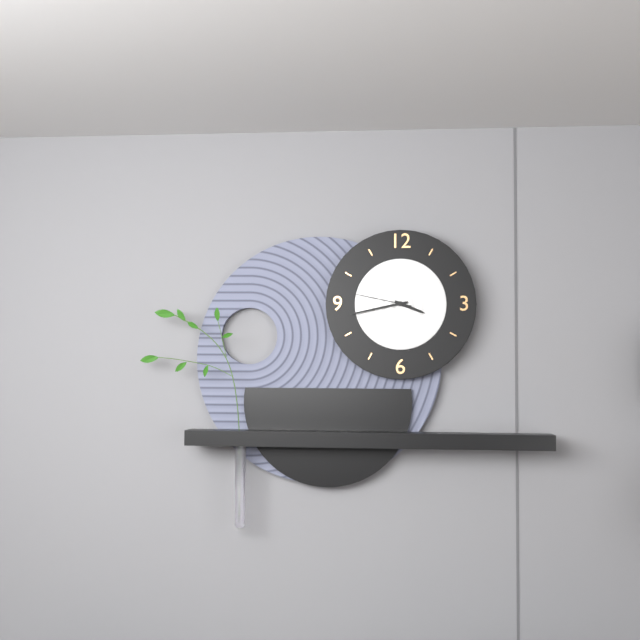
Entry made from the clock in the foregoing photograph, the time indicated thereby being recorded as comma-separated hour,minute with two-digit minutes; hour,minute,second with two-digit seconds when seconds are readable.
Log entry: 3,43,47
